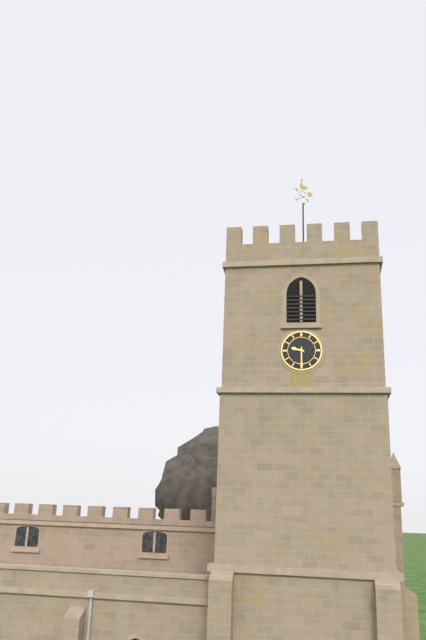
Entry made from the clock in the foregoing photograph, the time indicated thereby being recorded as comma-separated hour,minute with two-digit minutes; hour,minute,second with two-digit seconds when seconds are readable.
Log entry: 9,30
